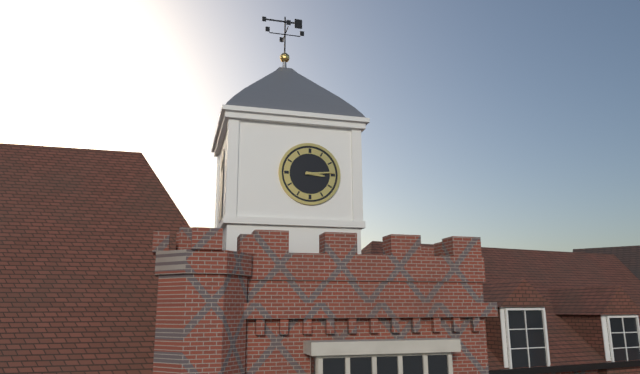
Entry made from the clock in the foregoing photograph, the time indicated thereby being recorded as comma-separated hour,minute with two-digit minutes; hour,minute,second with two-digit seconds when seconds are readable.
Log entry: 3,14
